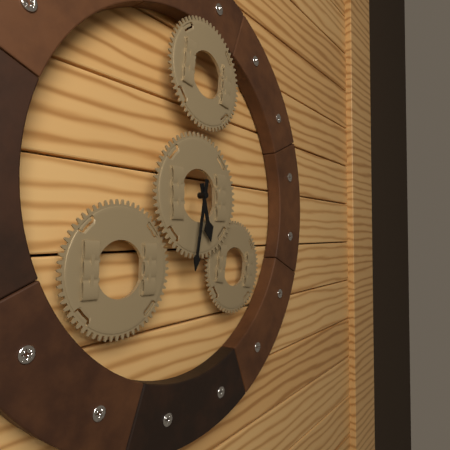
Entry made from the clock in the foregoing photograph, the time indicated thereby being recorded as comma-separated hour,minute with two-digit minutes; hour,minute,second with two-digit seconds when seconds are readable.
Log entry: 5,32
